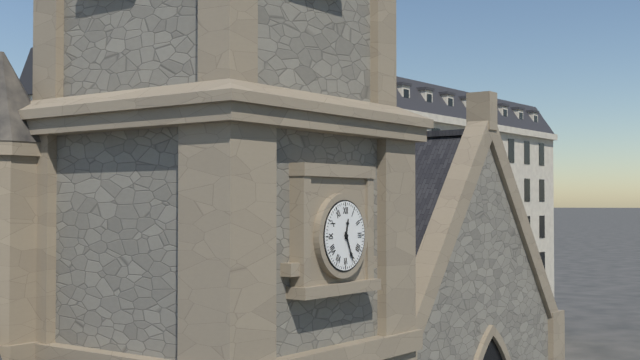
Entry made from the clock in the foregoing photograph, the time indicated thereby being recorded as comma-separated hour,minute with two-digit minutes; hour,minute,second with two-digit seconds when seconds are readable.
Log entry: 12,26
